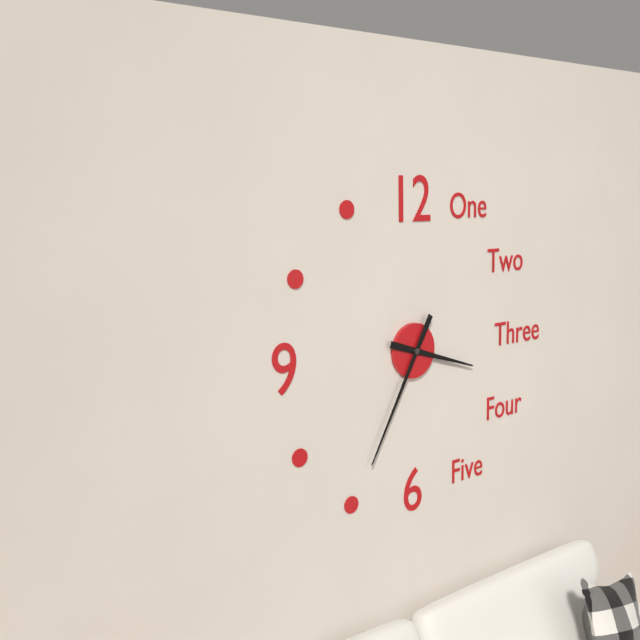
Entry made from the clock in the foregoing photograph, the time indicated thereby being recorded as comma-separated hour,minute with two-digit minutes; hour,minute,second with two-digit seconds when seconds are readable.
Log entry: 3,35
